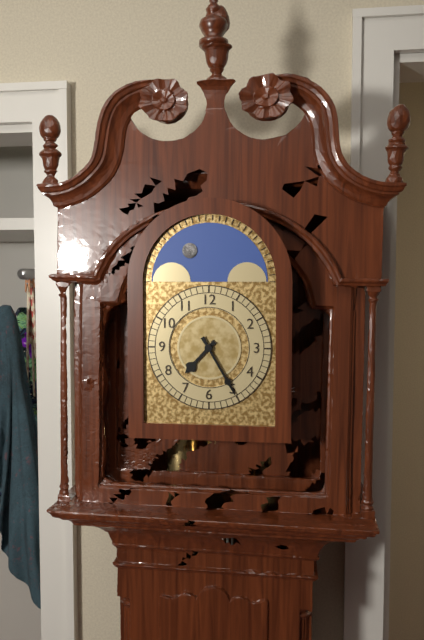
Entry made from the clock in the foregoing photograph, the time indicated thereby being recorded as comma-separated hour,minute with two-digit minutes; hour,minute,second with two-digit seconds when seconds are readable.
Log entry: 7,25
